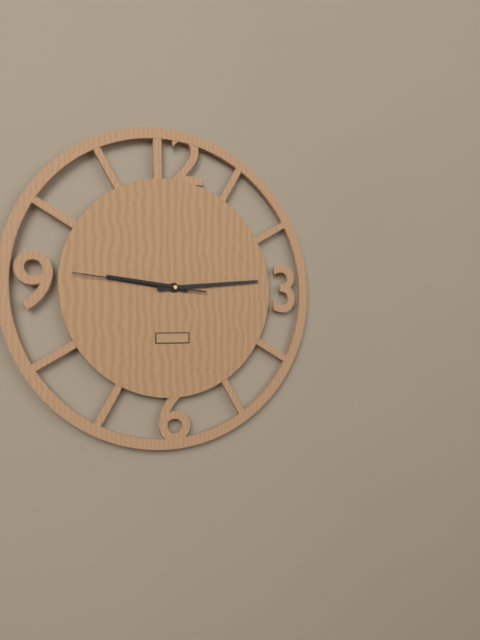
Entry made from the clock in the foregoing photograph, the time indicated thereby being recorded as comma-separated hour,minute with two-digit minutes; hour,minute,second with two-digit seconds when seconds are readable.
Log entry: 9,14,46
